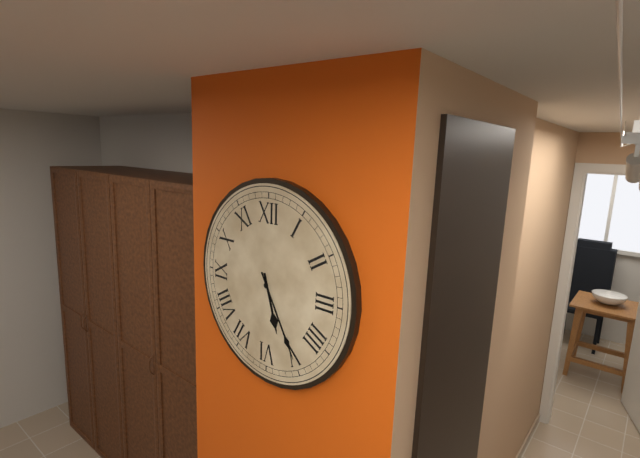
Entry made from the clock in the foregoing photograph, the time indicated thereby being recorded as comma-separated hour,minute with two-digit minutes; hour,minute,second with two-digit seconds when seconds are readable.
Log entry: 5,25
